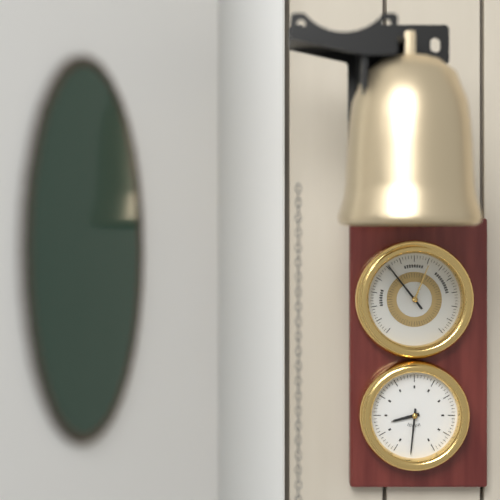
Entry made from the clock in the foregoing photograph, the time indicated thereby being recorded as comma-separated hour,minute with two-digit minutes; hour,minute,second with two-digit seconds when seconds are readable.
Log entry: 8,31
